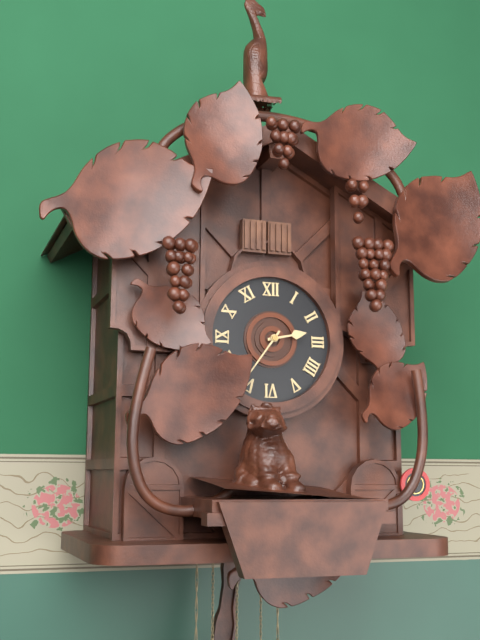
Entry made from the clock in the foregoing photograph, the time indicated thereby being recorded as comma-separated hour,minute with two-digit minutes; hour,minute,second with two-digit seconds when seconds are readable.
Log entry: 2,36
